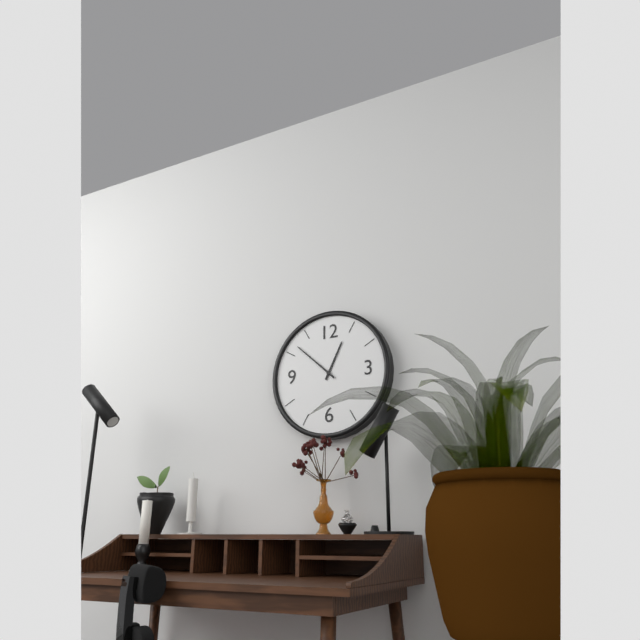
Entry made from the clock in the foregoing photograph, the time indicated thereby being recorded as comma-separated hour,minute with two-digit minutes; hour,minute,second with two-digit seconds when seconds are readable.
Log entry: 12,52
